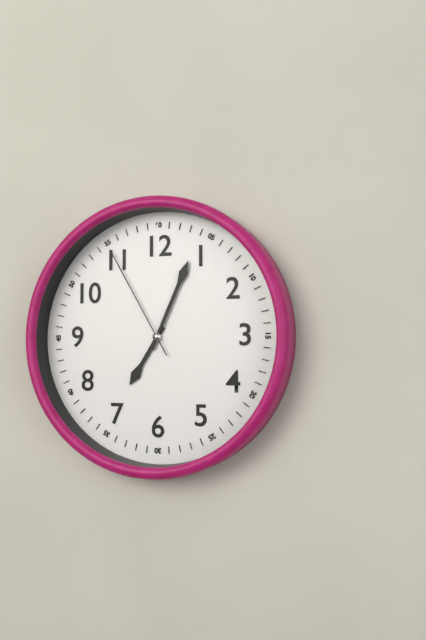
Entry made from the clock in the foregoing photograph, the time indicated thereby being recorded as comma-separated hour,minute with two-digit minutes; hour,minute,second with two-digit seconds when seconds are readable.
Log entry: 7,04,55
